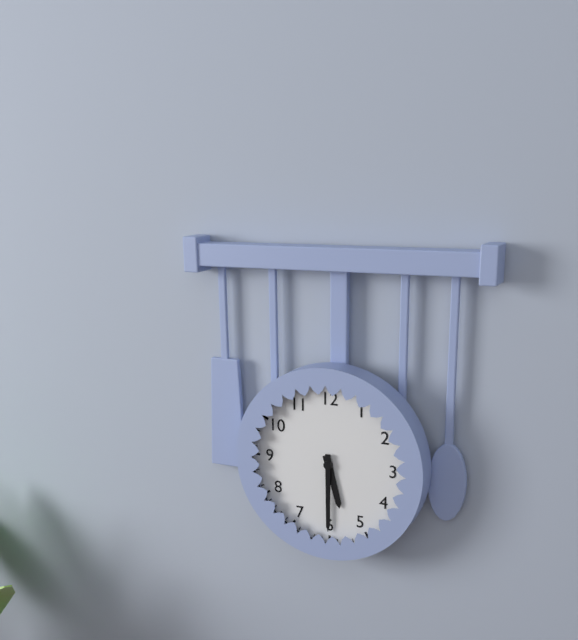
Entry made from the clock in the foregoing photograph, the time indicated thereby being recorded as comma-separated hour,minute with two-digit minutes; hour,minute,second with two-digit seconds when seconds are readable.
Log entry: 5,30
